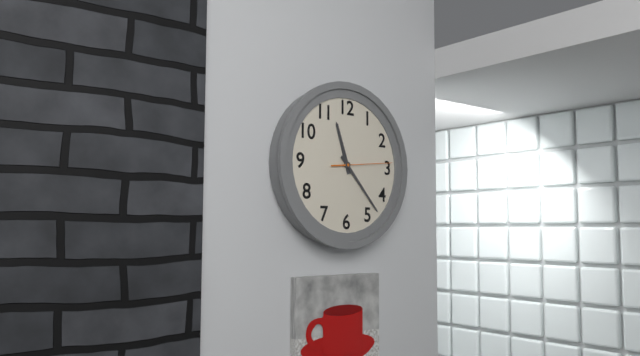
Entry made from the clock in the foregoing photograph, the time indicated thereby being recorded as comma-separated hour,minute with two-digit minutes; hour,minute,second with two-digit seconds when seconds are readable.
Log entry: 11,23,14
